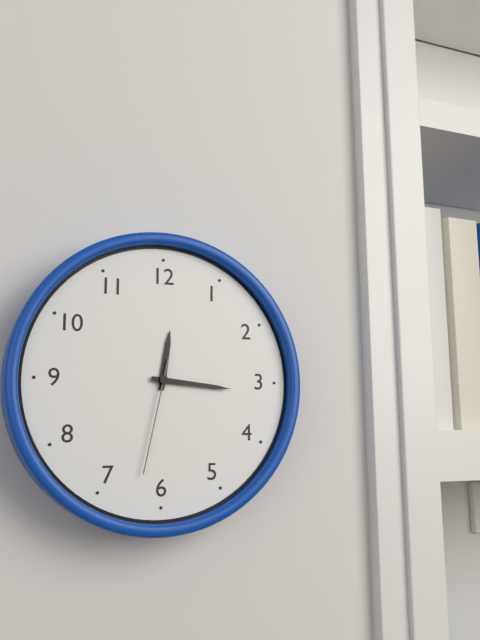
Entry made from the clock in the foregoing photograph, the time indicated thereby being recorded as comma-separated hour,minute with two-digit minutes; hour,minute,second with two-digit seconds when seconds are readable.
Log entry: 12,16,32
